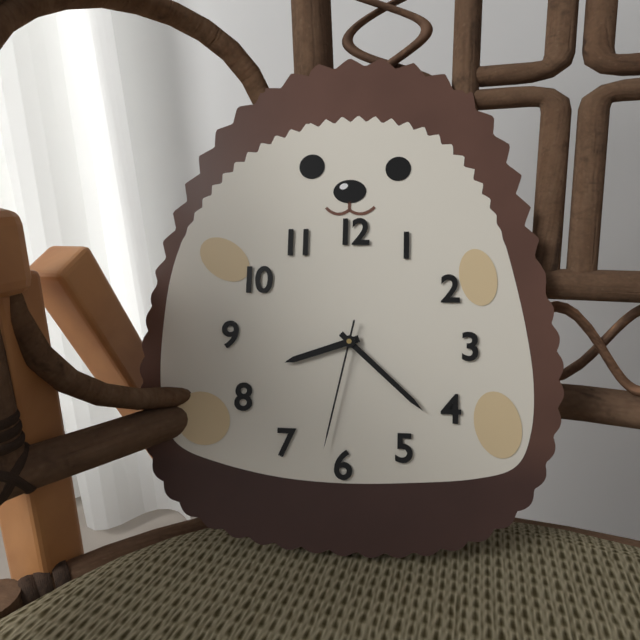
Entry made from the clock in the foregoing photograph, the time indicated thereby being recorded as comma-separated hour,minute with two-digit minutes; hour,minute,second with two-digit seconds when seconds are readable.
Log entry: 8,22,32
